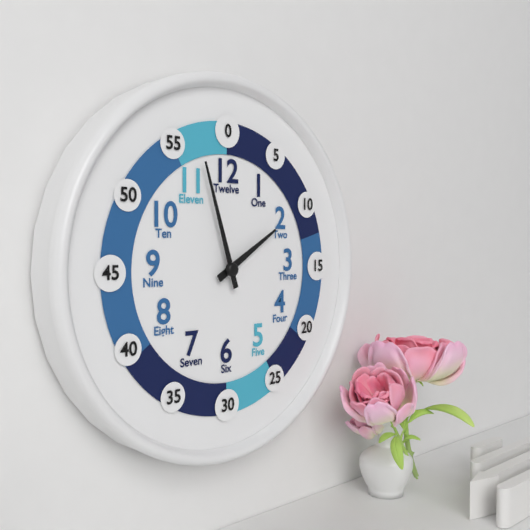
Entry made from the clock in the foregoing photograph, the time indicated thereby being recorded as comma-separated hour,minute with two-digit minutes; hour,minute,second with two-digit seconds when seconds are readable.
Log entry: 1,57
